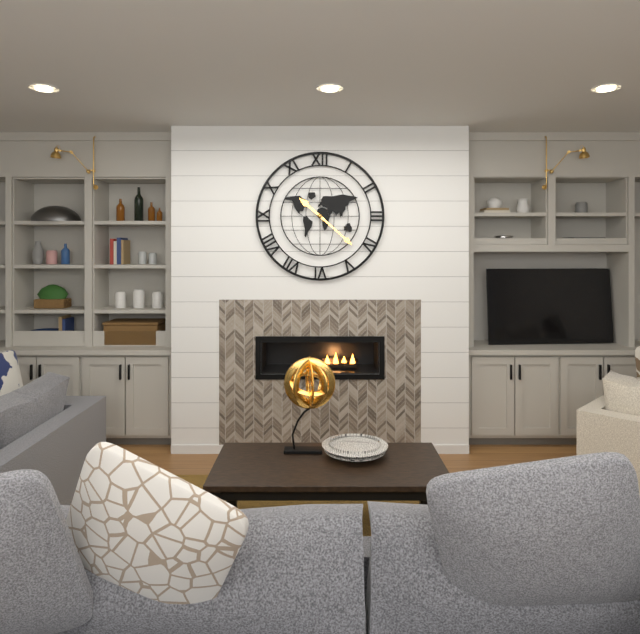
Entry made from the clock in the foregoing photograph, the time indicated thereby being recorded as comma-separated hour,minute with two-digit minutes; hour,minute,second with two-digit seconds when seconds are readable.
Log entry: 10,22
